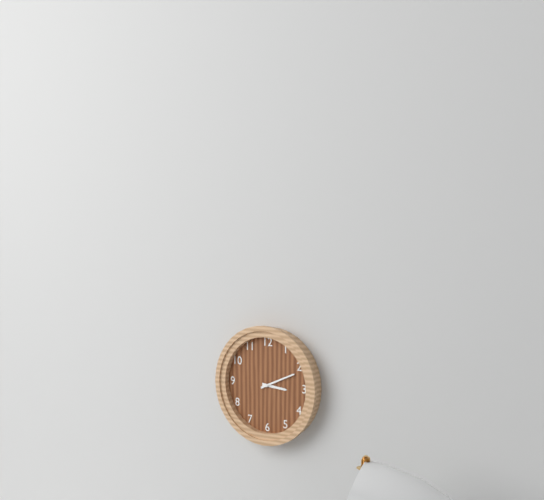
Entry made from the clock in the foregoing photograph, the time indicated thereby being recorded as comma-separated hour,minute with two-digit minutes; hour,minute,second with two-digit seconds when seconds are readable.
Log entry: 3,11
